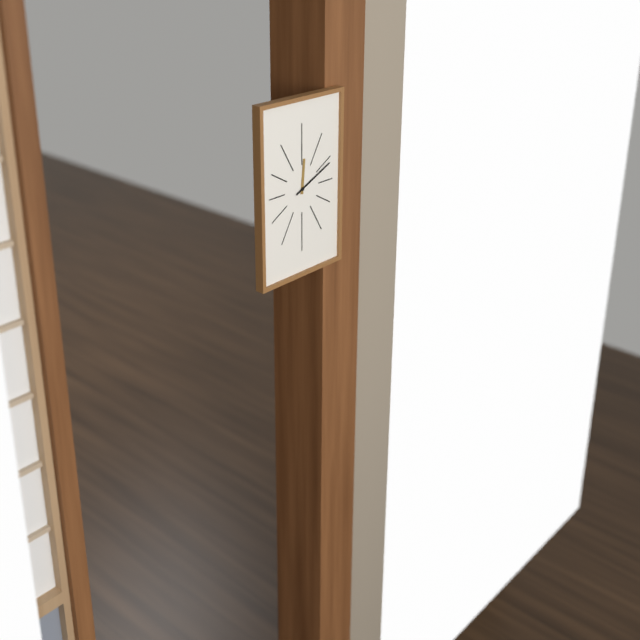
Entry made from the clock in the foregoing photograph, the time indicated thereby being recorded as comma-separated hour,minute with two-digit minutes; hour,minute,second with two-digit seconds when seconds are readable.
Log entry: 12,11
